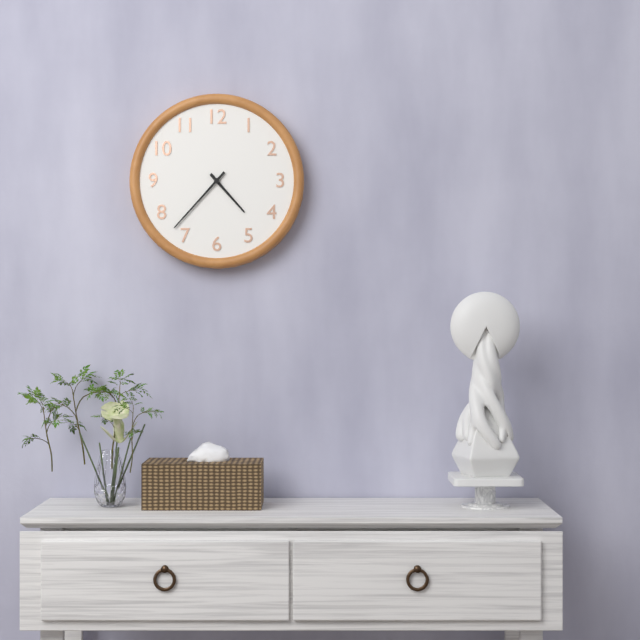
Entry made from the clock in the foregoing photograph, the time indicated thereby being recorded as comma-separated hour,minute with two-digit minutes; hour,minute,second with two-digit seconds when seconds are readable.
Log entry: 4,37
